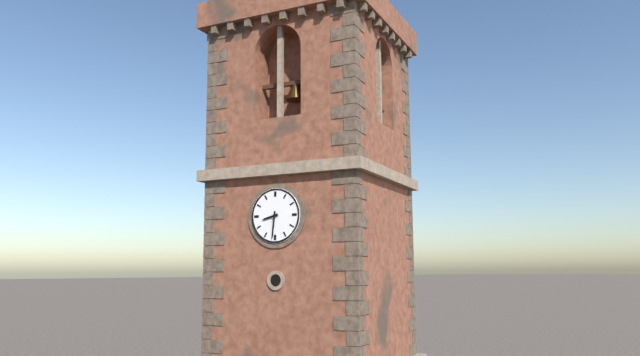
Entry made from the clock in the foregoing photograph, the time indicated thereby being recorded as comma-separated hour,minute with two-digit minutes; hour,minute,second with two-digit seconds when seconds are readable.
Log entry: 8,31
